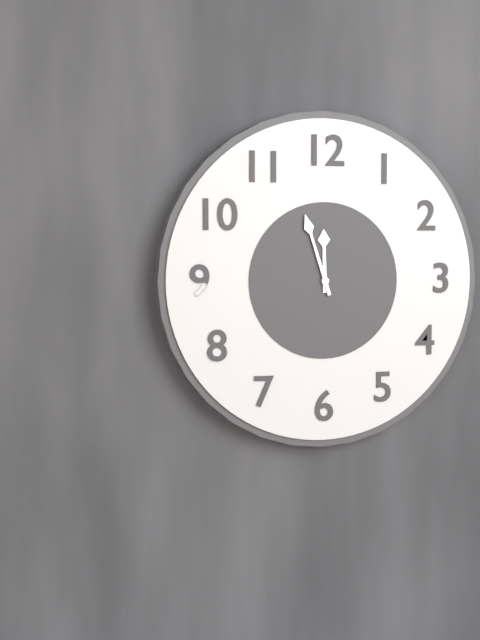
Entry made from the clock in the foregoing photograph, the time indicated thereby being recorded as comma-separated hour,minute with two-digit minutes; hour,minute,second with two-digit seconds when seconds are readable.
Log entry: 11,57
